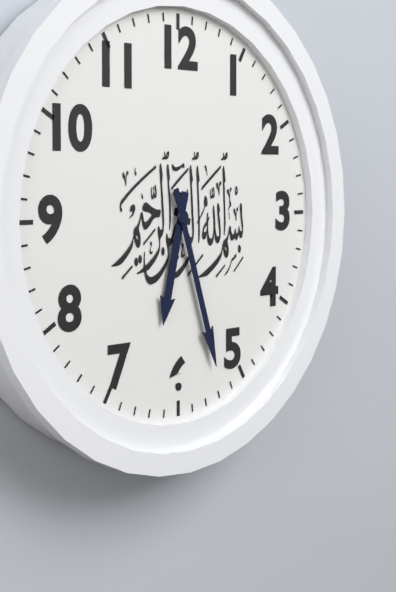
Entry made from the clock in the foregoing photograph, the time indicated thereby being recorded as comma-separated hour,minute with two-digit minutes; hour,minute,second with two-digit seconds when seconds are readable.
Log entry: 6,27
